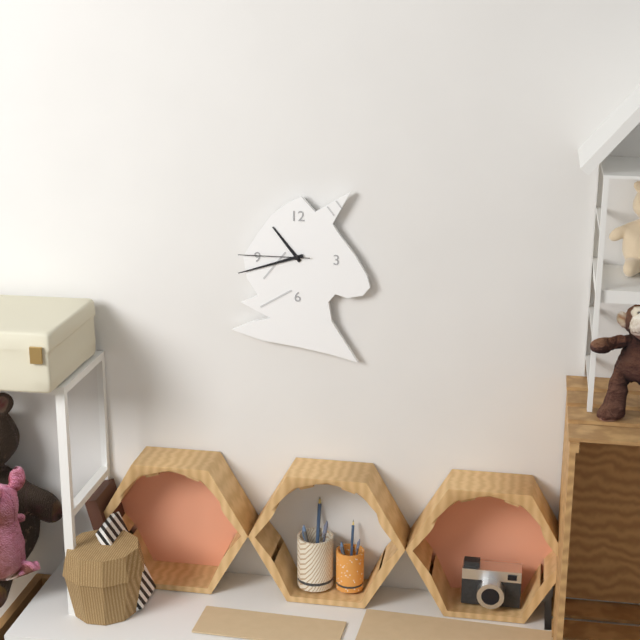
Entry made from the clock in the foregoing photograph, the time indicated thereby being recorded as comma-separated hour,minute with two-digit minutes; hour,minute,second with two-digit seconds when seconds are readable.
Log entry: 10,42,45
